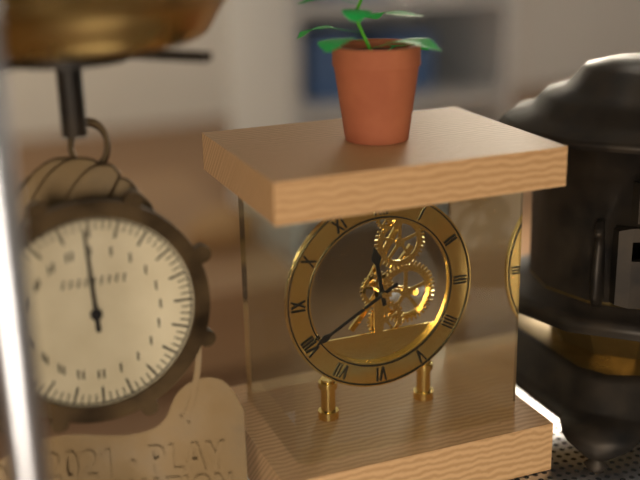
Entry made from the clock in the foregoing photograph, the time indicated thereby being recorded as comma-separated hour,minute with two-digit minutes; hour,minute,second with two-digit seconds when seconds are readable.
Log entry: 11,40
